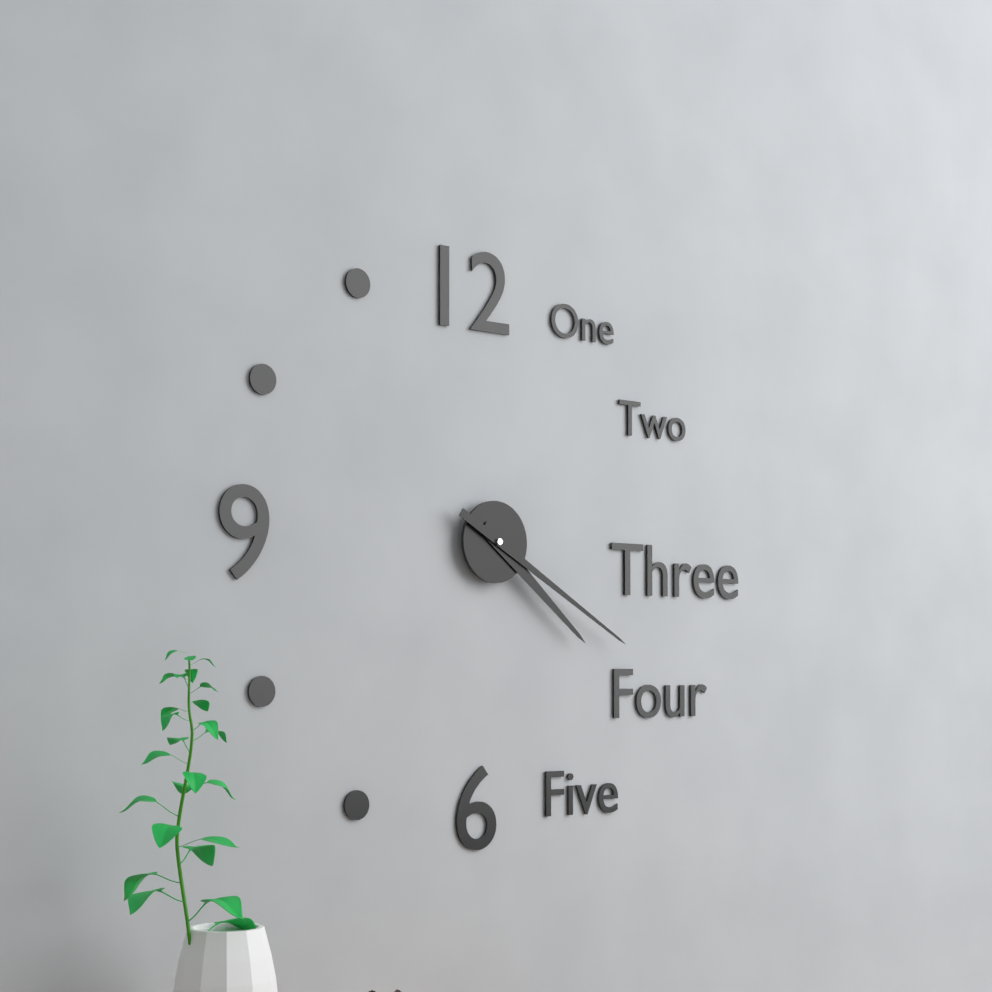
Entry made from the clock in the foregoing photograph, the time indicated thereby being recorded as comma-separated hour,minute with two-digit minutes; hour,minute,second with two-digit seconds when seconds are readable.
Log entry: 4,20
